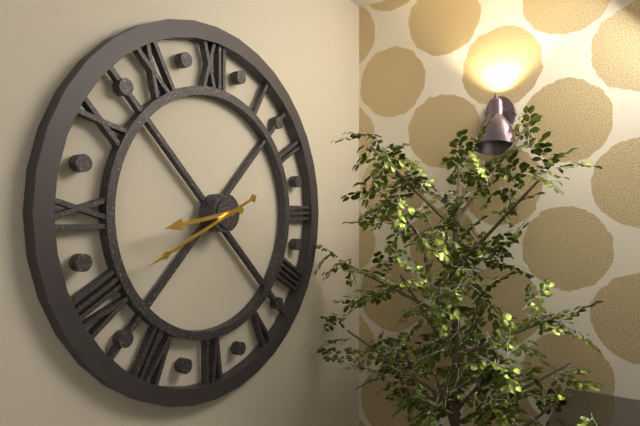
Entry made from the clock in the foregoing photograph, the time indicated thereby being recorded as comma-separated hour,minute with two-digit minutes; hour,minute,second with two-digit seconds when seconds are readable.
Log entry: 8,41
